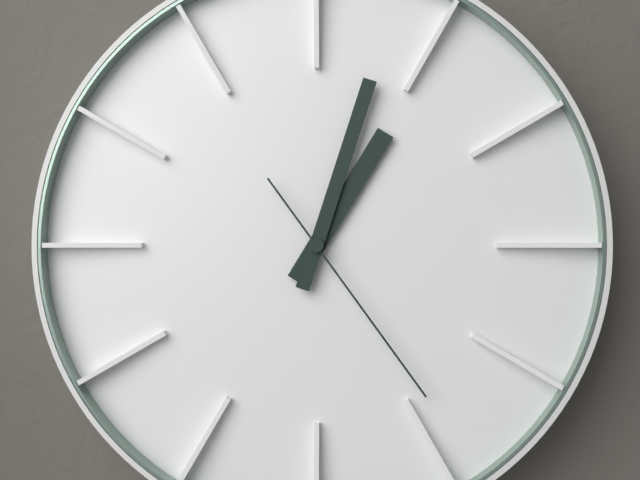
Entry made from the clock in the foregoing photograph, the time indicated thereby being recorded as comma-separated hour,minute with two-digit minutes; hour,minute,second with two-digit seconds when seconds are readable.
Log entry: 1,03,24
